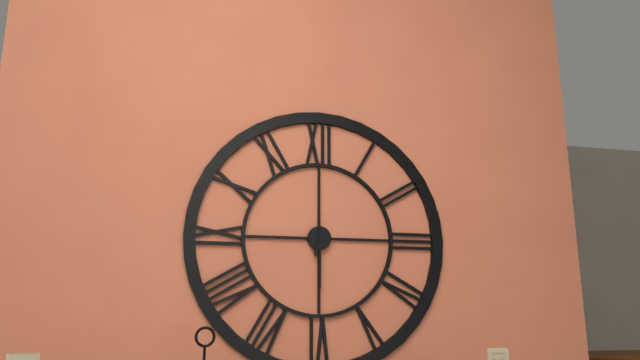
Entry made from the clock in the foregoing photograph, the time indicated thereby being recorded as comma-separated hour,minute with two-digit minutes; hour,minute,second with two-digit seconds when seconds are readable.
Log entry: 6,30
